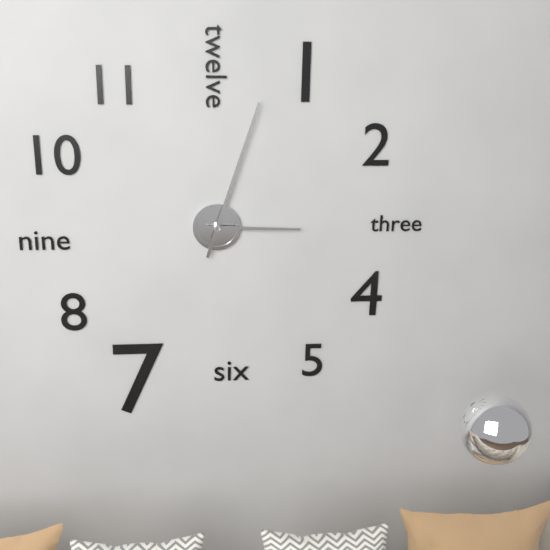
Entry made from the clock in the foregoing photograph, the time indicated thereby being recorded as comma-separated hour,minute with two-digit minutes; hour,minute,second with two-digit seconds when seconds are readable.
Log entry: 3,03
